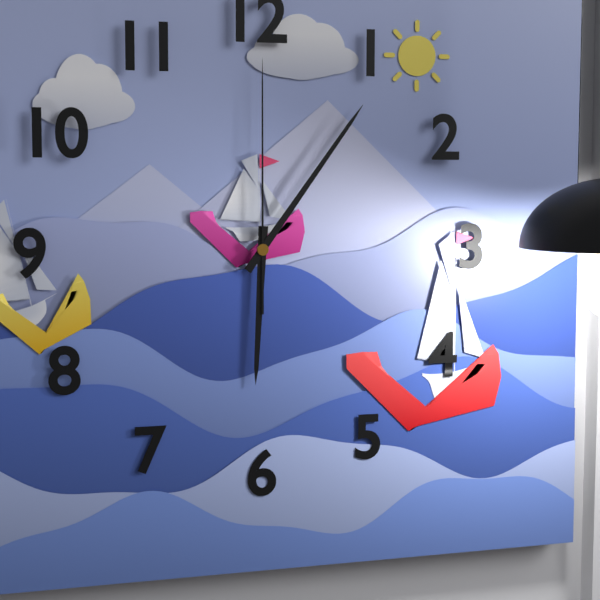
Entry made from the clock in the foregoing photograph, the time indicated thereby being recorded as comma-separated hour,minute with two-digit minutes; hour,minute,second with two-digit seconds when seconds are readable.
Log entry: 6,06,00
